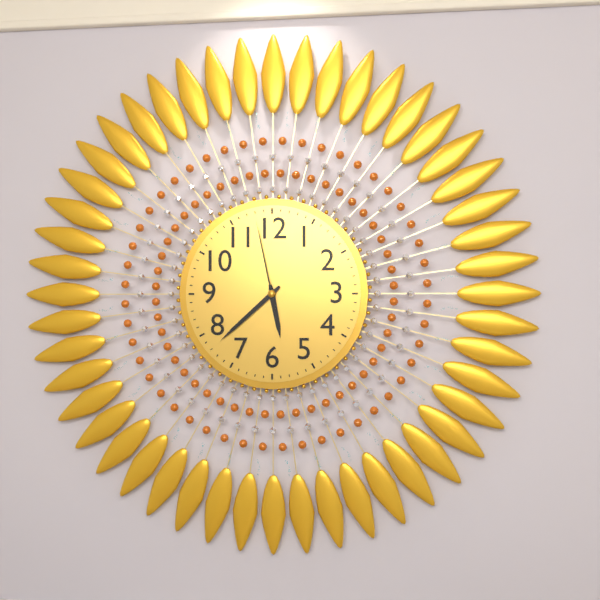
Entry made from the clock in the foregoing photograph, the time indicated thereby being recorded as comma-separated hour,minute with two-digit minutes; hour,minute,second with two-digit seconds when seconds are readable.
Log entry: 5,38,58
